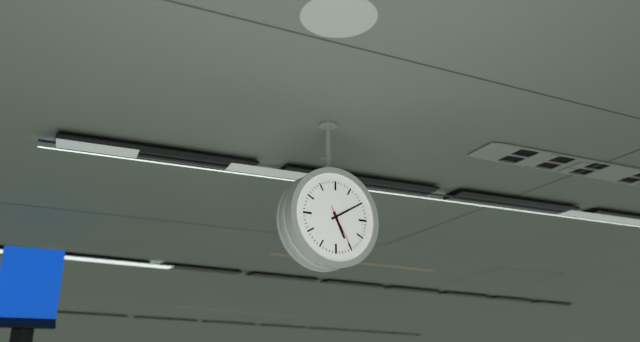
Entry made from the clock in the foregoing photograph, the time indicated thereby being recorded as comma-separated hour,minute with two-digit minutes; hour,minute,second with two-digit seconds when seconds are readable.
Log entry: 5,10
